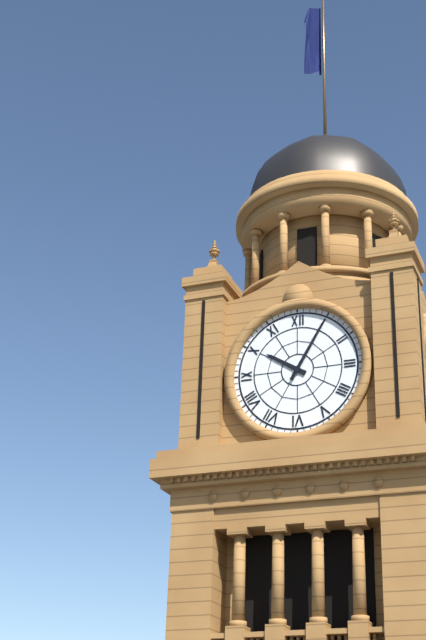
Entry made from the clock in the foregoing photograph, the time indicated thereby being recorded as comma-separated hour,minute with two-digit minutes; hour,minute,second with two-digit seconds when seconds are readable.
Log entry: 10,05
